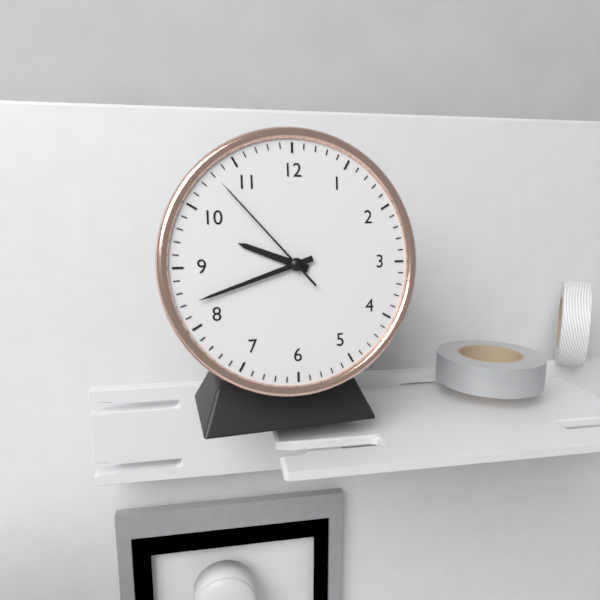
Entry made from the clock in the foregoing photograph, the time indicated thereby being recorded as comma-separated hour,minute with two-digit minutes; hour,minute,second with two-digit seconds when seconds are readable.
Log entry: 9,42,53
